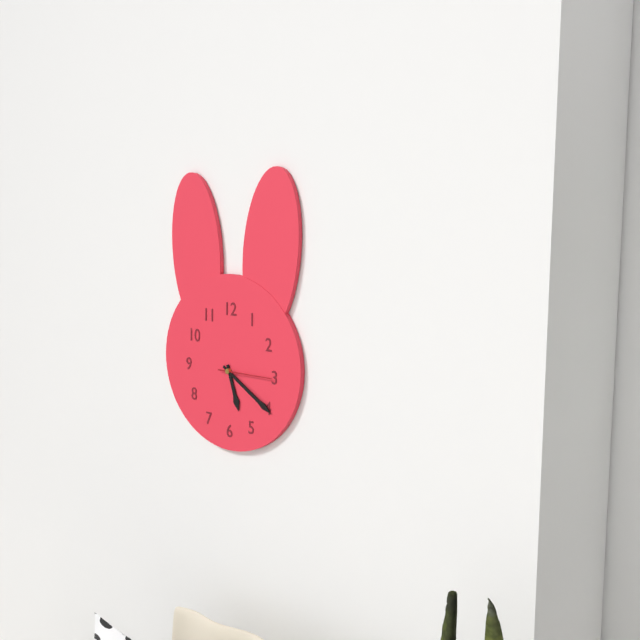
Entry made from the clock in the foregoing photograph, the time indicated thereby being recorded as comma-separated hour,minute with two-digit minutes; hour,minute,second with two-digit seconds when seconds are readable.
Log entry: 5,20,15
